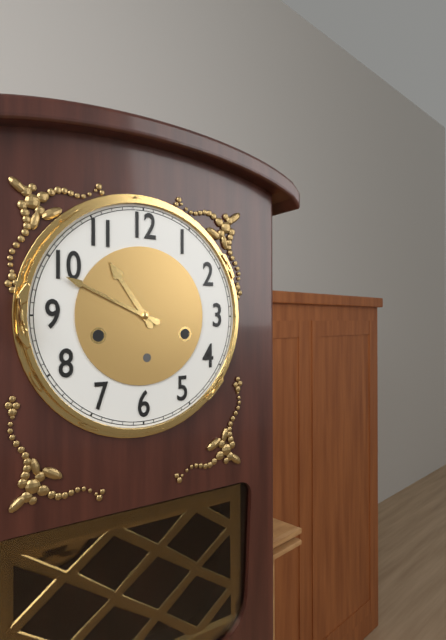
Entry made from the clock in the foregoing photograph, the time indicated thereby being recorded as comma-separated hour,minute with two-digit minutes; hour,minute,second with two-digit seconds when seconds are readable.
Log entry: 10,49
